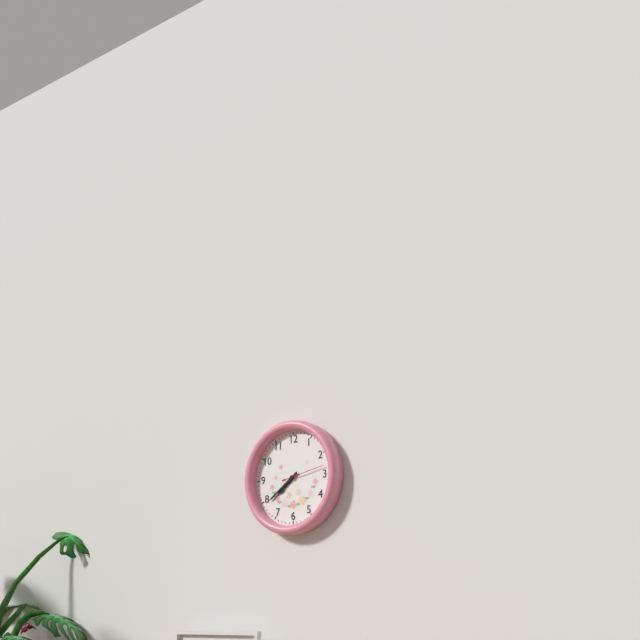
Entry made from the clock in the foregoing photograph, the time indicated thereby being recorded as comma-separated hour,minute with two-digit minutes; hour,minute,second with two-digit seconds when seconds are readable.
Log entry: 7,39
